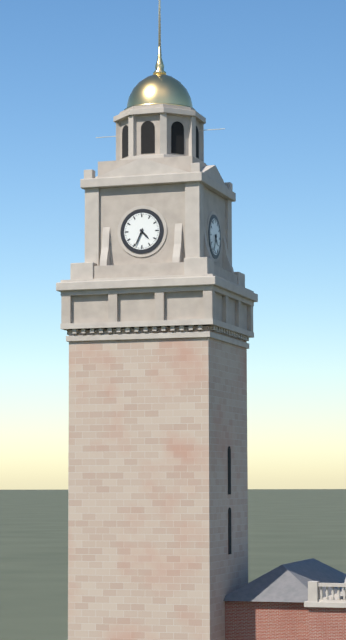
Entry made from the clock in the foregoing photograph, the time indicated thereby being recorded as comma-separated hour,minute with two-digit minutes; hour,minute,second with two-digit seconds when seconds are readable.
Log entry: 4,34
